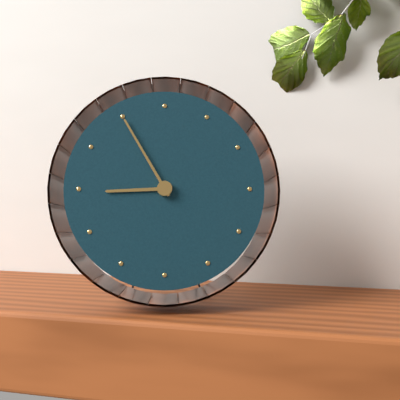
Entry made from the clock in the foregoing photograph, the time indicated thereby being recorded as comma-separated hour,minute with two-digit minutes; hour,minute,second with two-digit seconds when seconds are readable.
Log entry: 8,55
